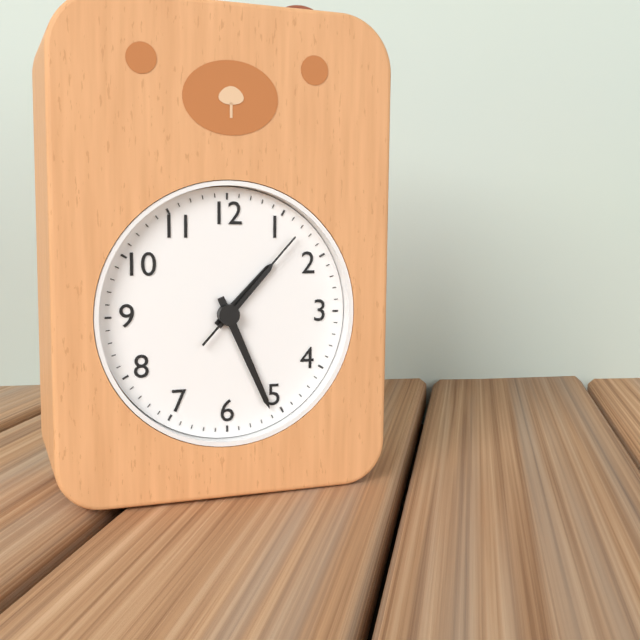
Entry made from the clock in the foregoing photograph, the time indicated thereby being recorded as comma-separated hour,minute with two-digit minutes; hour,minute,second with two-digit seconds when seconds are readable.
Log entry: 1,26,07
